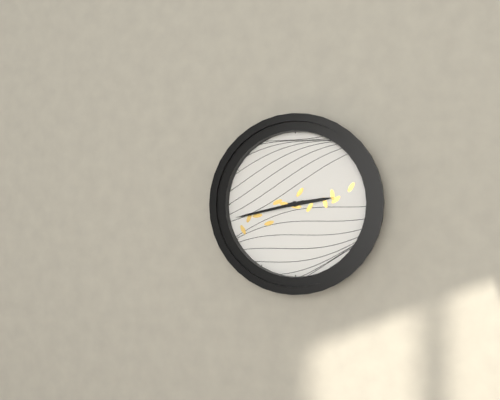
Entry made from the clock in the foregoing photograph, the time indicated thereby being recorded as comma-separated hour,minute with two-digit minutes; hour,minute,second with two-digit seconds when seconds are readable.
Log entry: 2,43
